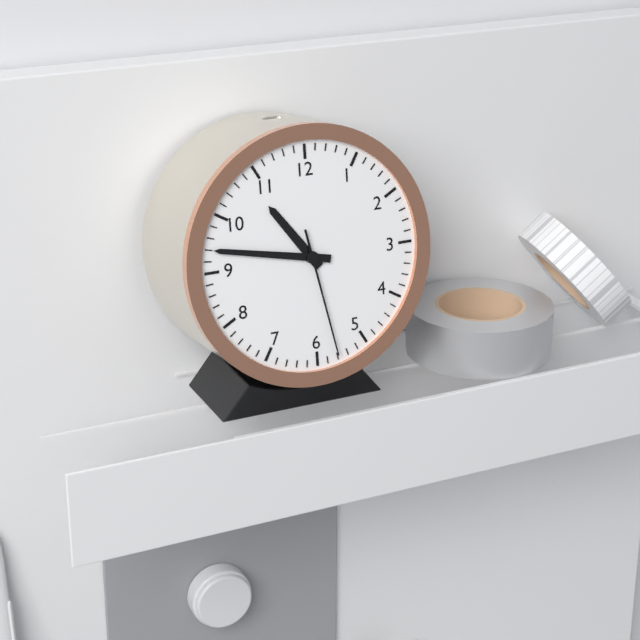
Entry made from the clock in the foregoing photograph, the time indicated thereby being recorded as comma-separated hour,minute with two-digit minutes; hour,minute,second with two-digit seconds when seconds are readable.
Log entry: 10,47,28
